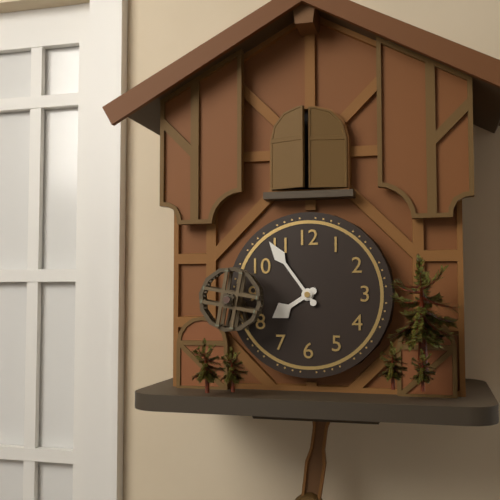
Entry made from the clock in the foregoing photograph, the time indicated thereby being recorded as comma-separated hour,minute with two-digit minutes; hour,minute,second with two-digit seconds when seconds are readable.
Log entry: 7,54
